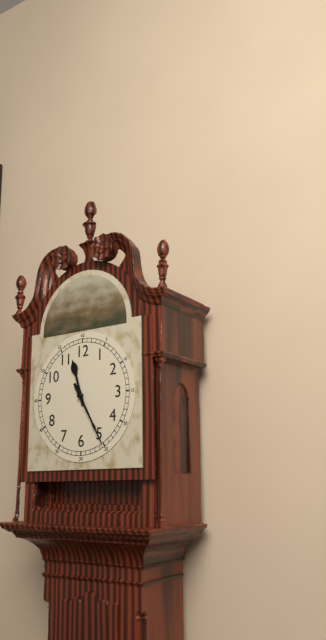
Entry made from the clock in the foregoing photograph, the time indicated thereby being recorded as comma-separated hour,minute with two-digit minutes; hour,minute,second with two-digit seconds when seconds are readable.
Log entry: 11,25
